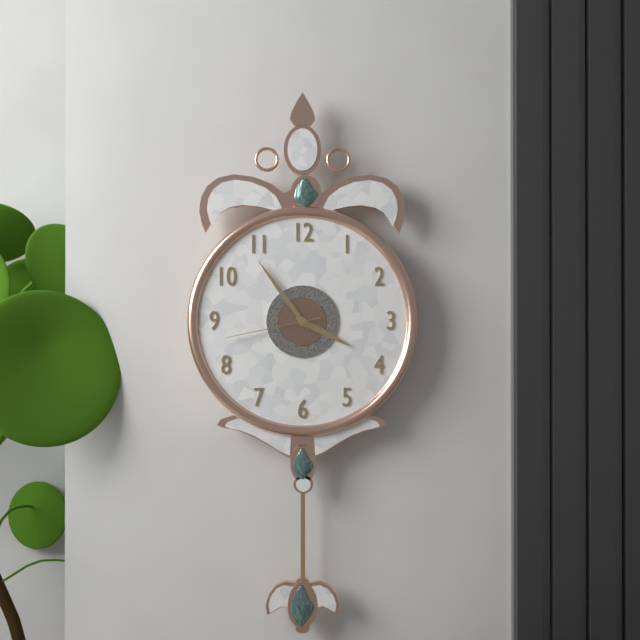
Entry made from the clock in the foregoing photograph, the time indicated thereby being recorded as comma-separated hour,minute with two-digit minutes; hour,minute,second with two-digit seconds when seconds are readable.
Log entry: 3,54,43
